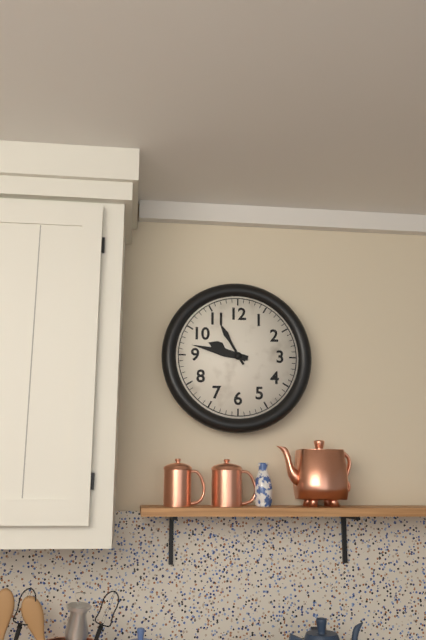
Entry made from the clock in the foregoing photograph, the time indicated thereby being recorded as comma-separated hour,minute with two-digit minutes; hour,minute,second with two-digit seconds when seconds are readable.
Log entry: 9,47
